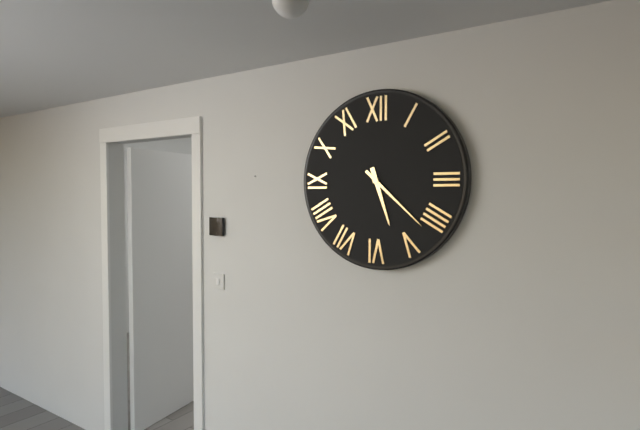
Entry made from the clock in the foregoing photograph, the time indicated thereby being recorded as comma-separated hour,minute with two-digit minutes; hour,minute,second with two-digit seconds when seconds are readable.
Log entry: 5,22
